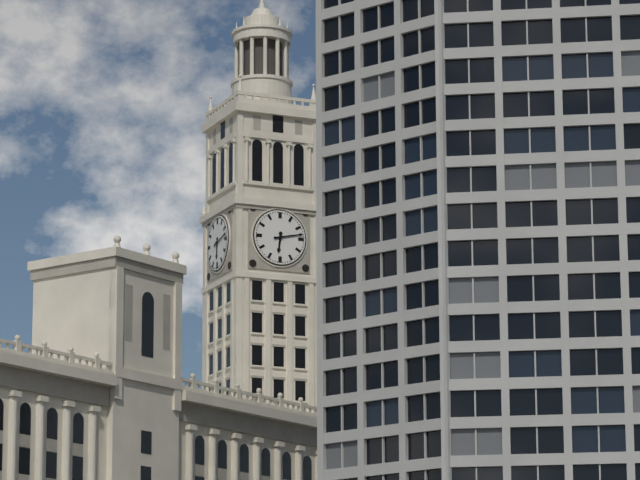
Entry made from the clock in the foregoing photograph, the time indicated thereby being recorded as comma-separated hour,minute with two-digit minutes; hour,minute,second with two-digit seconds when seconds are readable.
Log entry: 6,13
